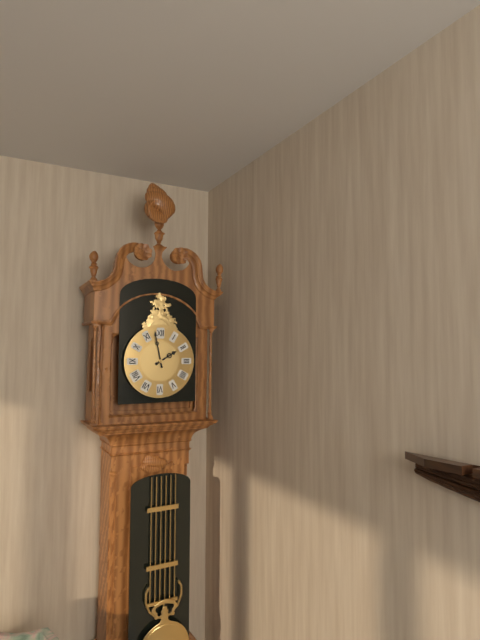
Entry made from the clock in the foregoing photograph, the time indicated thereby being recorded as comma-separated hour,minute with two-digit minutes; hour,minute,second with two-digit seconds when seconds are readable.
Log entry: 1,58
